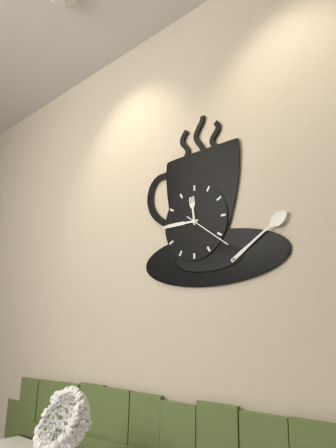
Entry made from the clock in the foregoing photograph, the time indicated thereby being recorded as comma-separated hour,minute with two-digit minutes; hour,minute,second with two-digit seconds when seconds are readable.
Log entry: 11,45
